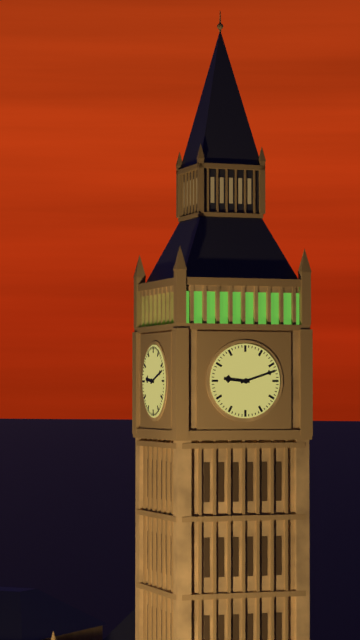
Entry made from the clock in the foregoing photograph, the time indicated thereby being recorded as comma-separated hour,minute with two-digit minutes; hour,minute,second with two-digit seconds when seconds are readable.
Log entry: 9,12
